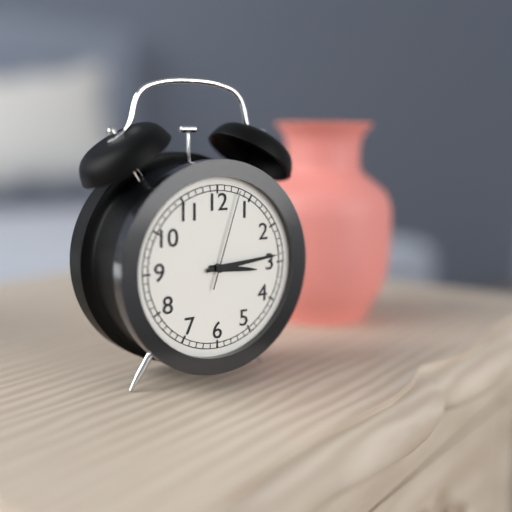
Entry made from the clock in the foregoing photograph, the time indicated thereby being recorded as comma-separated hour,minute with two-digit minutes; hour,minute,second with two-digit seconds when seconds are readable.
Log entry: 3,14,03
